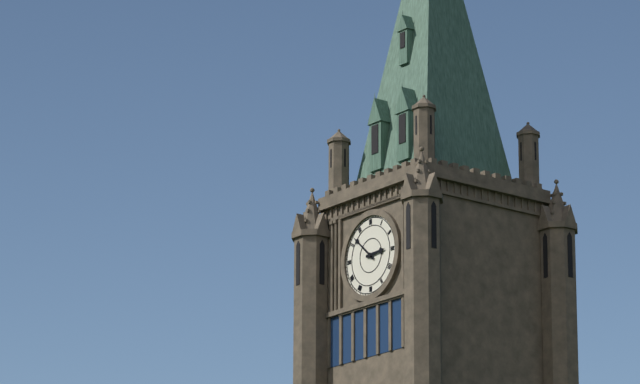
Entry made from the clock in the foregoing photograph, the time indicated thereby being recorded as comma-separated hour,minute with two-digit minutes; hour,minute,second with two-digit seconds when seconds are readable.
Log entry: 2,52
